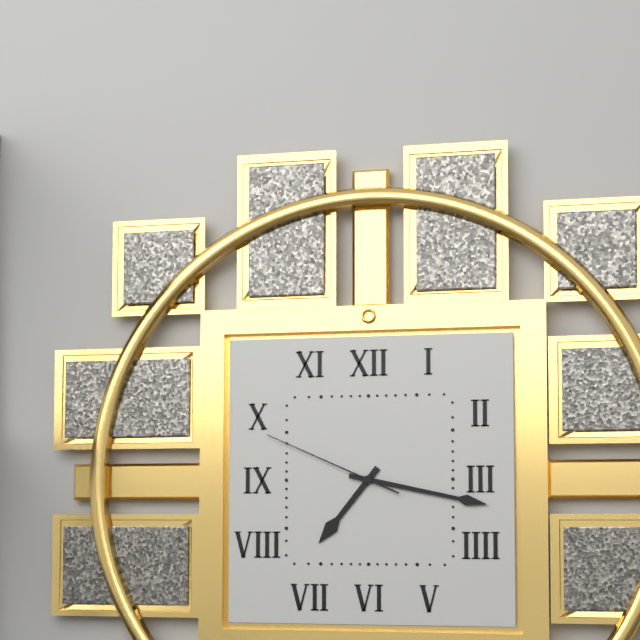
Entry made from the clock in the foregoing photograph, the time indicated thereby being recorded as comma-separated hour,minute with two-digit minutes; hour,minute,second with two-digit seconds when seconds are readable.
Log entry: 7,17,49
